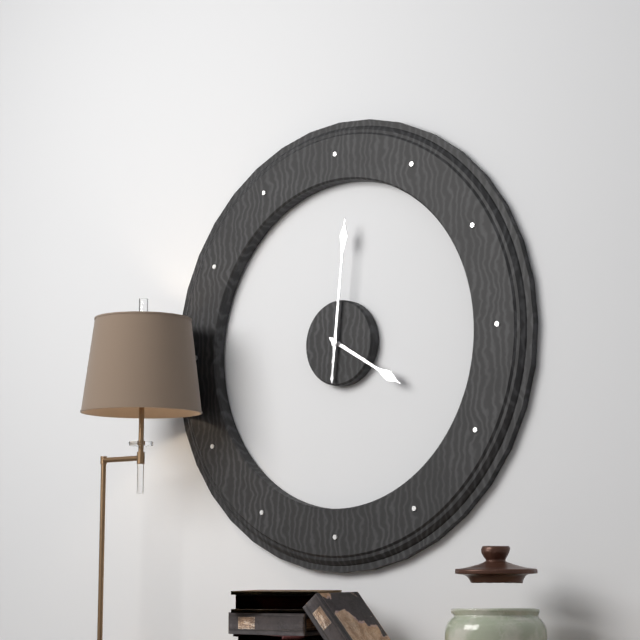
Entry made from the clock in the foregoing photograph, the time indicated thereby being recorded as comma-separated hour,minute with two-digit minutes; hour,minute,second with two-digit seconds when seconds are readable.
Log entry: 4,01
